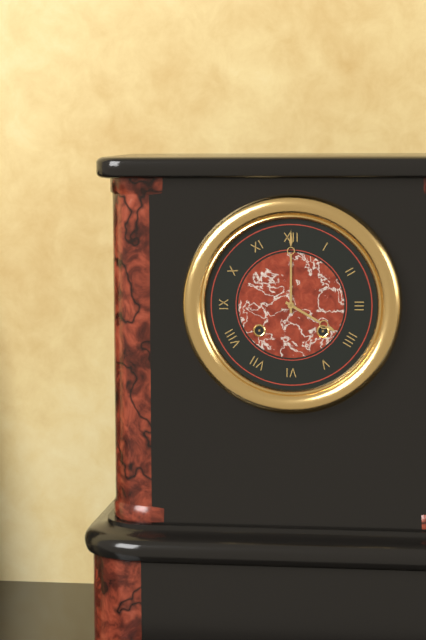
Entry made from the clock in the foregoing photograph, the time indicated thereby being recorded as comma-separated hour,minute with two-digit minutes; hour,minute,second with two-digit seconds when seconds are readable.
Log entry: 4,00
